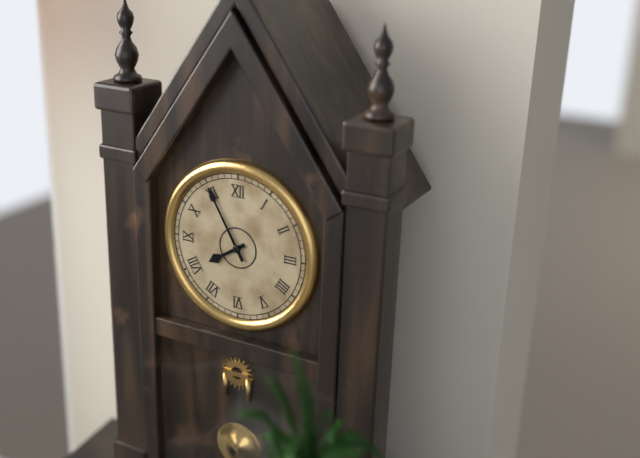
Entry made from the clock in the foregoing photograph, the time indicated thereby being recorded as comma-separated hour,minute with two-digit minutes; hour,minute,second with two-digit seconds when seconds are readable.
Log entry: 7,55
